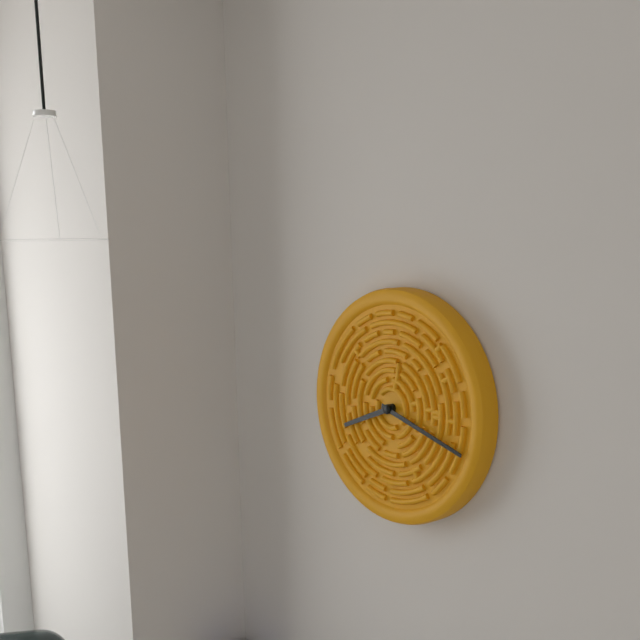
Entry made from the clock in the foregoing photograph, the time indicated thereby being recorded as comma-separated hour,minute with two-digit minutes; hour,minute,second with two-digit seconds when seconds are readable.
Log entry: 8,18
